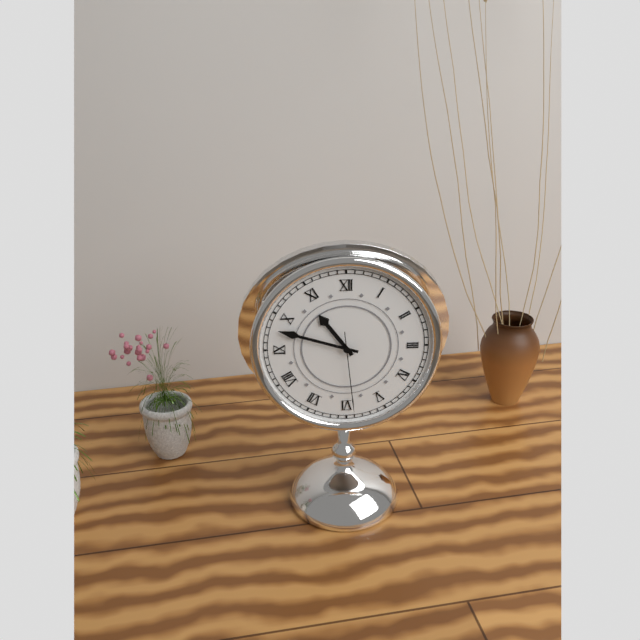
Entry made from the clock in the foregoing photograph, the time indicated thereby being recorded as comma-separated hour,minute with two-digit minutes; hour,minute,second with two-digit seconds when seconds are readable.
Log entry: 10,48,29
